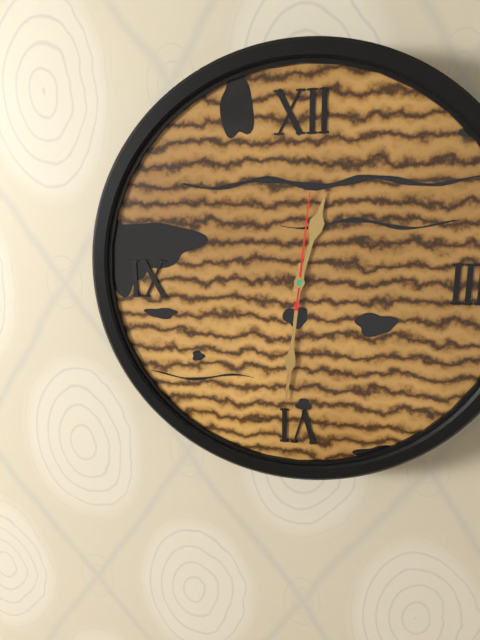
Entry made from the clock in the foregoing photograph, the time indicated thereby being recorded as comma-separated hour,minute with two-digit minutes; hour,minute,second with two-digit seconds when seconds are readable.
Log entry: 12,31,01
